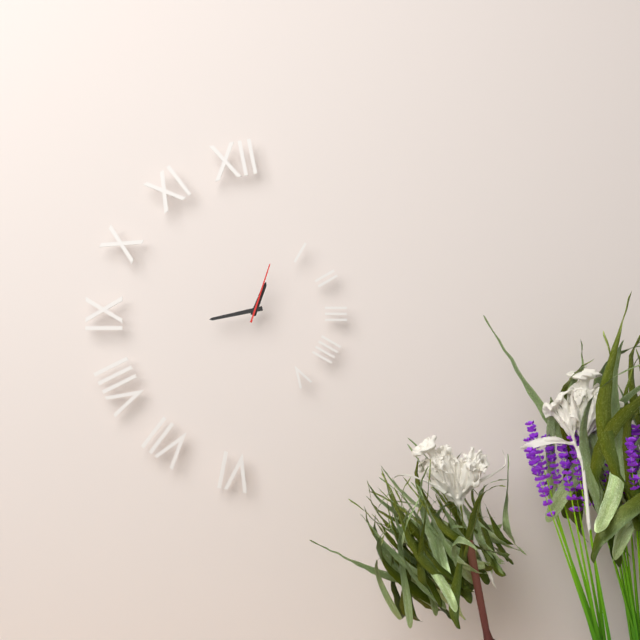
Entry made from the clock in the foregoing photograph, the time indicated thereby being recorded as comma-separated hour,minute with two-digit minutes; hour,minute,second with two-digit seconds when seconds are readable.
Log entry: 12,43,03
